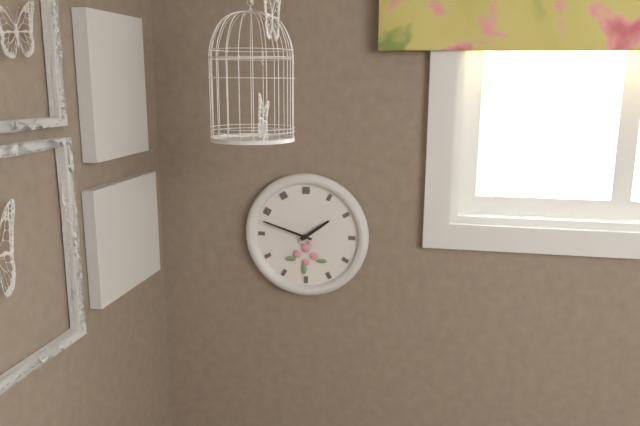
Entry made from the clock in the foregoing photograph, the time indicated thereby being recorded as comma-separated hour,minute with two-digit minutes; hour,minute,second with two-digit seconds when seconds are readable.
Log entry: 1,48
